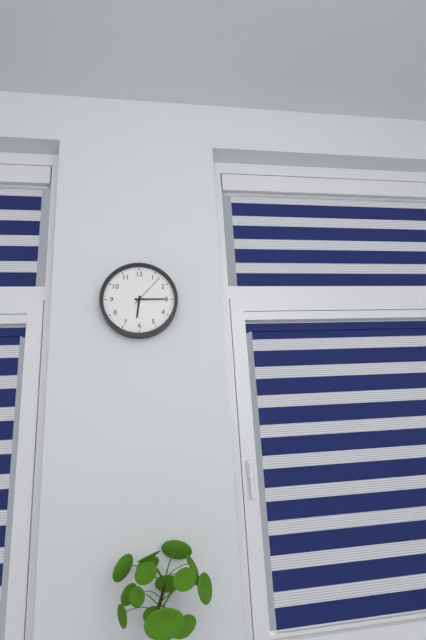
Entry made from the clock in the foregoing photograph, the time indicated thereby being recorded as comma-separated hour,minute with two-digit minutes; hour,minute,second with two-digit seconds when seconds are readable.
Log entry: 6,15
